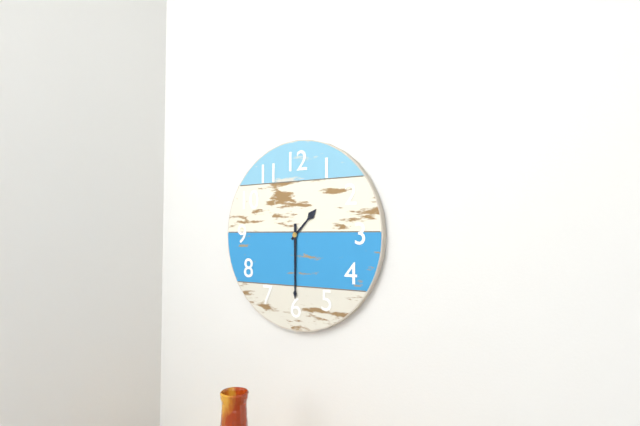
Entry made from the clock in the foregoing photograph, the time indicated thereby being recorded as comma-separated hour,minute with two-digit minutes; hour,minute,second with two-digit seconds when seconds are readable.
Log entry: 1,30
